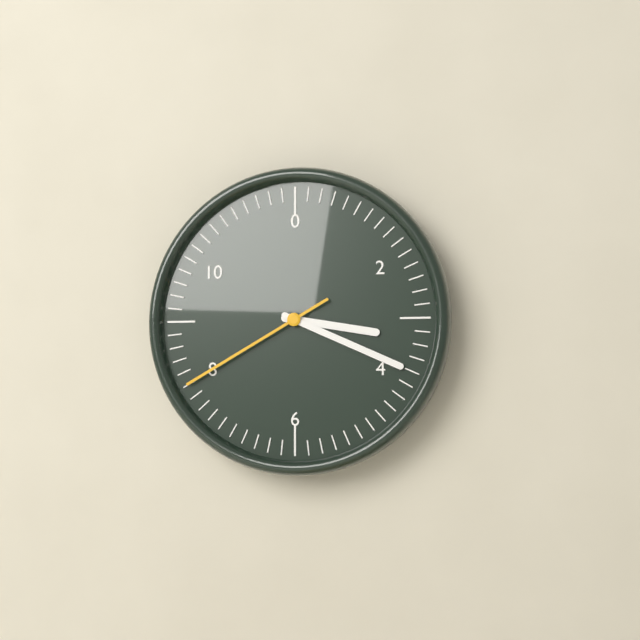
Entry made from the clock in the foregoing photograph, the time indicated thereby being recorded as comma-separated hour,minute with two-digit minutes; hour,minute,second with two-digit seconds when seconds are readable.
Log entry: 3,19,40
